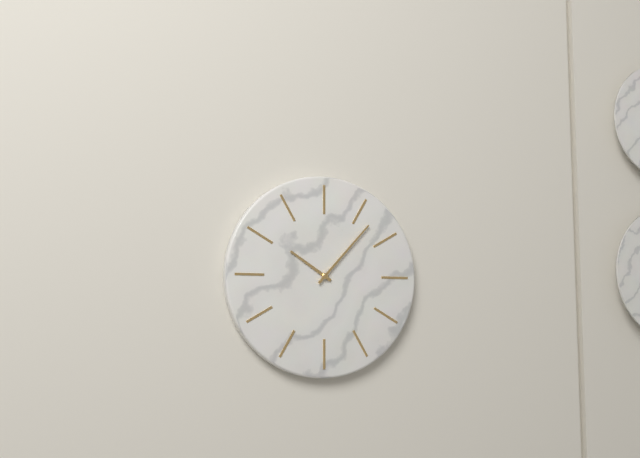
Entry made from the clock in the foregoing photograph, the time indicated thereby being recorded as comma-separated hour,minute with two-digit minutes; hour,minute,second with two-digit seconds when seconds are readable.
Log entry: 10,07
